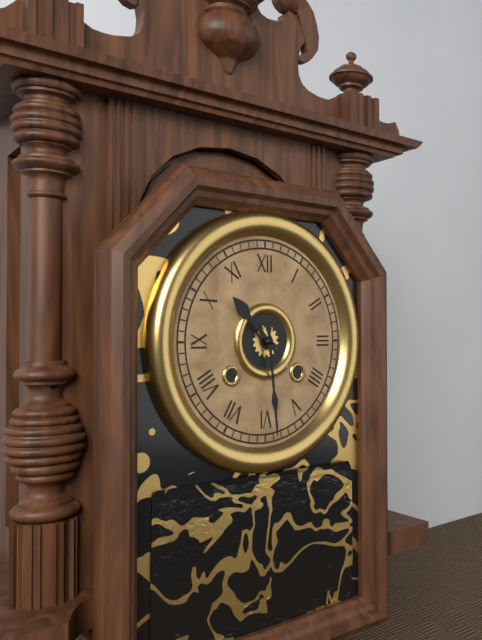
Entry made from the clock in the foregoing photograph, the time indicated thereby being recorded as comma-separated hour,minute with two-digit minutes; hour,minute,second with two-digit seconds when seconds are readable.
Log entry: 10,29
